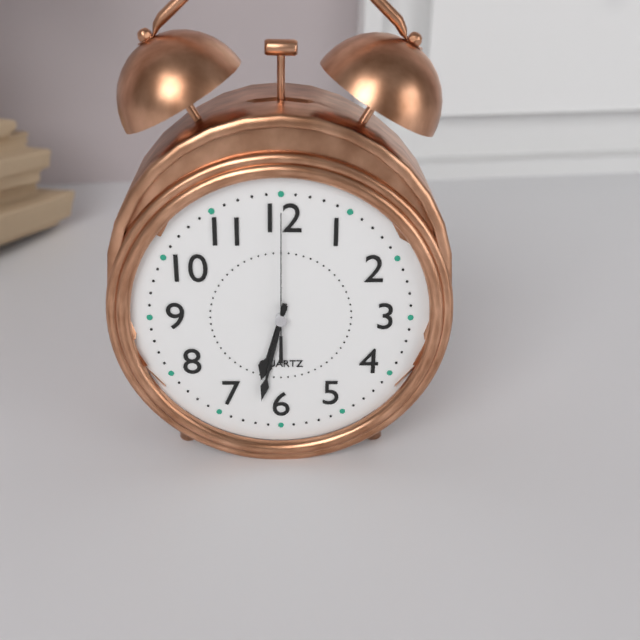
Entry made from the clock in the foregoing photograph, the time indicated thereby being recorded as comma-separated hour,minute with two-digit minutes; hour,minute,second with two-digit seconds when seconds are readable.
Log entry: 6,32,00
